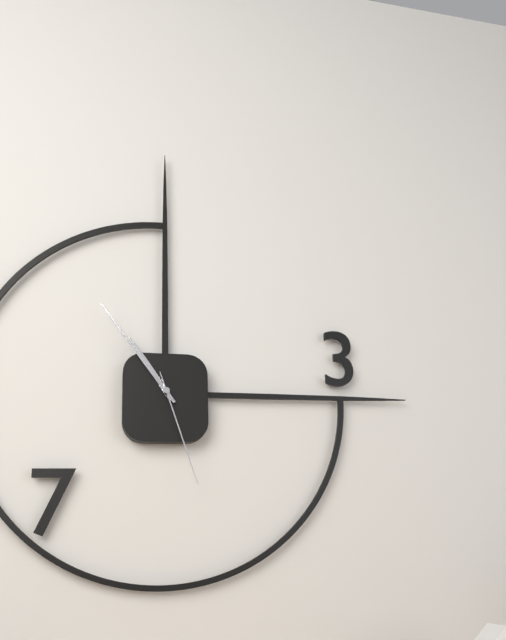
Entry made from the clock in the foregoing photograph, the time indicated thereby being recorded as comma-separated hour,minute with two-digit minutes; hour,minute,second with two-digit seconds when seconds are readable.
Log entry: 10,54,27
